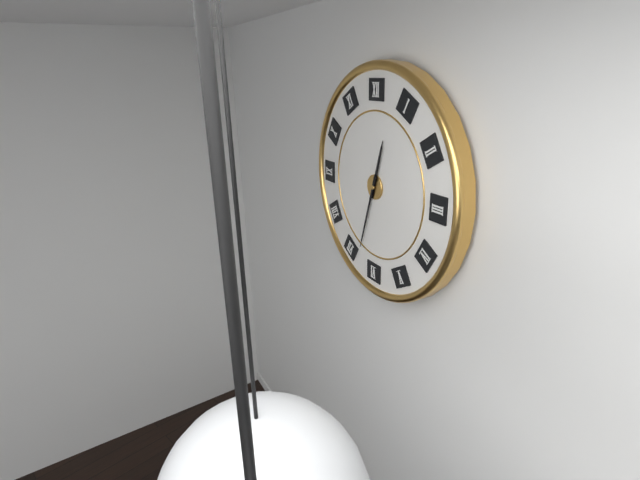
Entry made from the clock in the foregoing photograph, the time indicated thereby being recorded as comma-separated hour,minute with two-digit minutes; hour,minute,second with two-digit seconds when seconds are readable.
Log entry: 12,33
